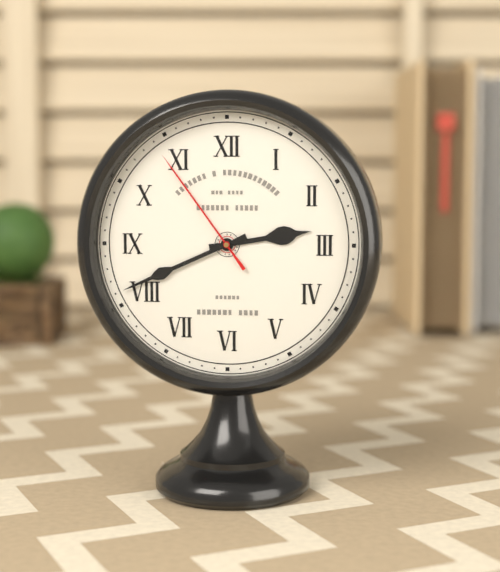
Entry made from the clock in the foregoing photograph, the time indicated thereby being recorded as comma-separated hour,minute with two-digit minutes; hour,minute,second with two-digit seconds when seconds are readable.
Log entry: 2,41,54
